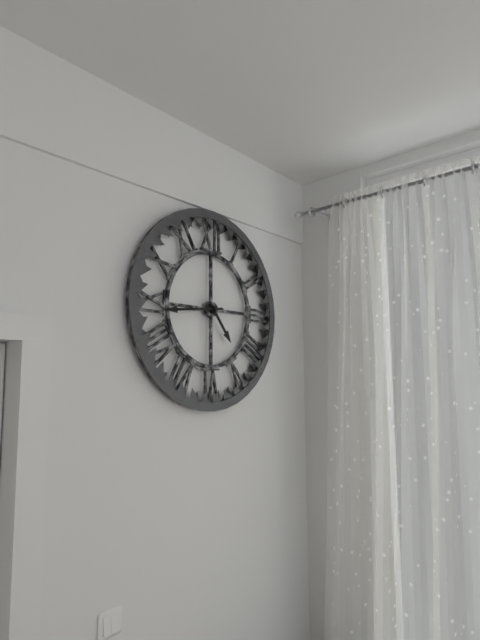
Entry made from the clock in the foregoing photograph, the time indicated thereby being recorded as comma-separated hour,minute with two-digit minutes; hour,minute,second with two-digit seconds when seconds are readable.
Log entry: 4,44
